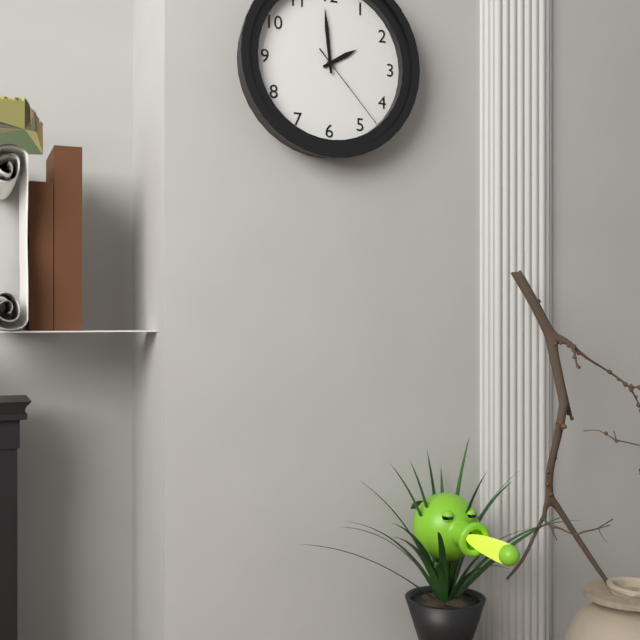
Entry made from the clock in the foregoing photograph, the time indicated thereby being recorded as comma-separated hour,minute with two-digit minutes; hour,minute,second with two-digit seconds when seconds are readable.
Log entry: 1,59,23
